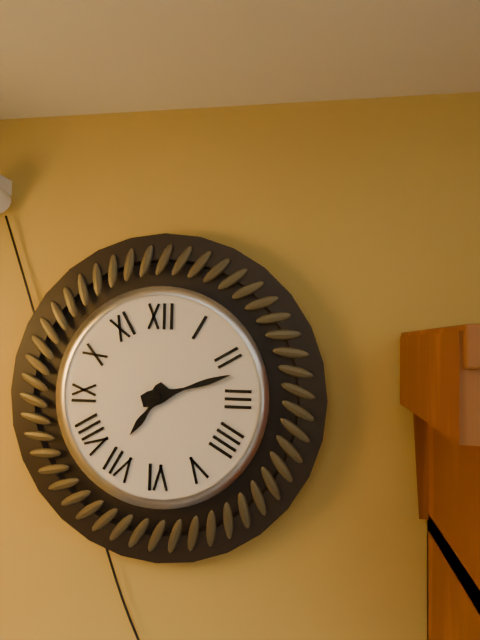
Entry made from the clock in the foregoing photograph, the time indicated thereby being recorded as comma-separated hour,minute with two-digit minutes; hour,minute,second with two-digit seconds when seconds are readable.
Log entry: 7,12
